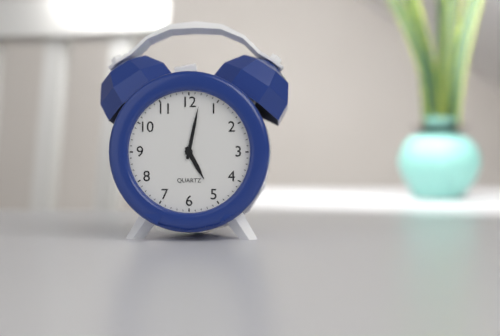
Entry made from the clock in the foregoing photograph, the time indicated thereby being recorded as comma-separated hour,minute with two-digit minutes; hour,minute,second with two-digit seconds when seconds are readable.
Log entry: 5,02
